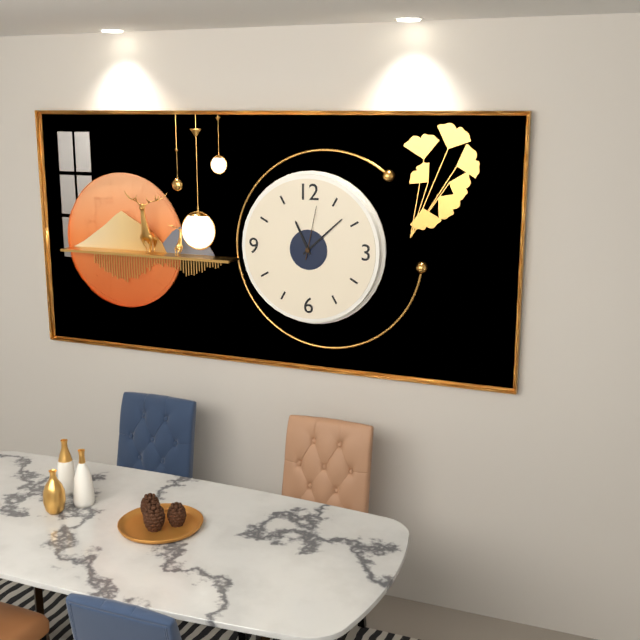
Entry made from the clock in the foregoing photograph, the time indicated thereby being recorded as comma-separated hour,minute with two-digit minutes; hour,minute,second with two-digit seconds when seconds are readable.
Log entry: 11,08,02
